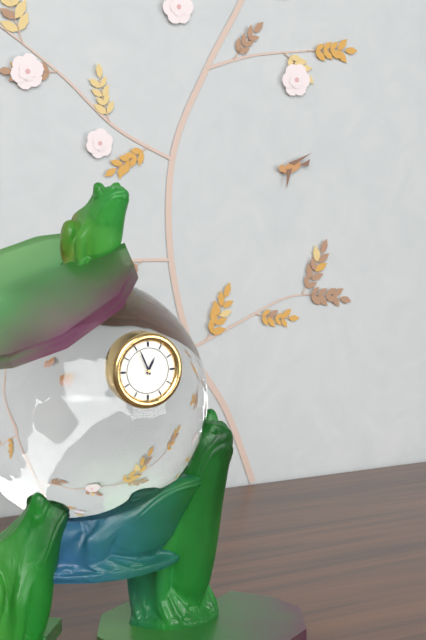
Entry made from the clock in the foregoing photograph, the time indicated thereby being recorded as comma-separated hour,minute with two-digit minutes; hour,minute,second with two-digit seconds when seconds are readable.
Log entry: 12,56
